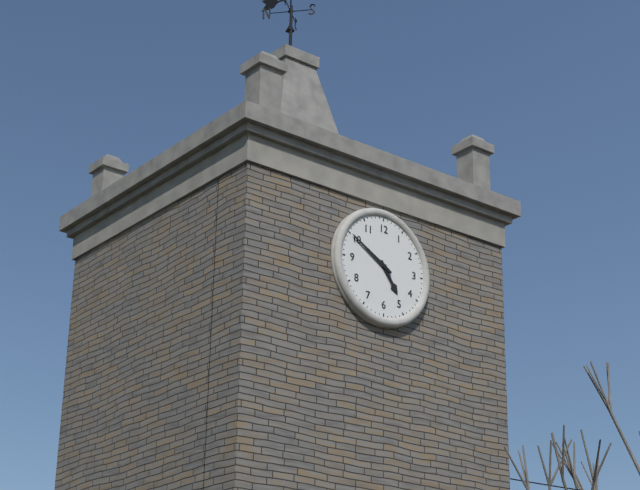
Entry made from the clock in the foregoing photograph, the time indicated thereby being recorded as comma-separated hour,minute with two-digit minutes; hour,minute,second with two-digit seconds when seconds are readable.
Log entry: 4,50
